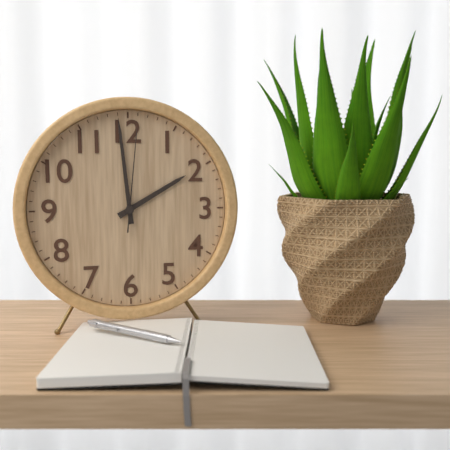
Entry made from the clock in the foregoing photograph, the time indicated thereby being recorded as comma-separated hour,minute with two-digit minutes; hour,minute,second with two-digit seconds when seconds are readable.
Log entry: 1,59,01
